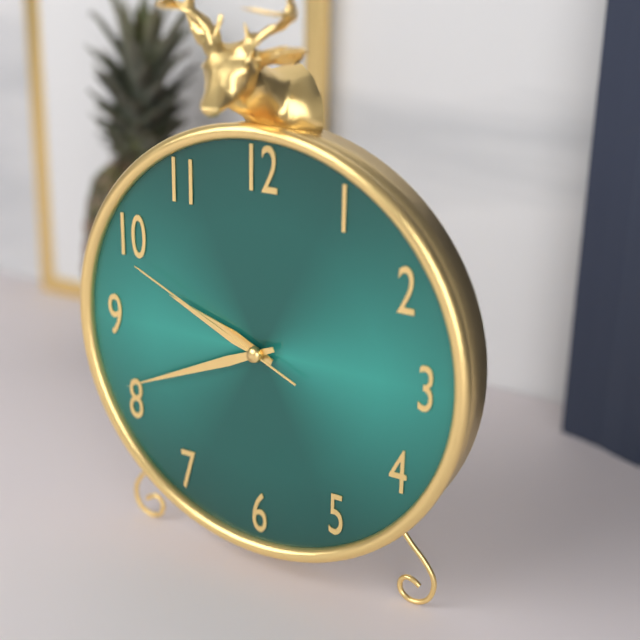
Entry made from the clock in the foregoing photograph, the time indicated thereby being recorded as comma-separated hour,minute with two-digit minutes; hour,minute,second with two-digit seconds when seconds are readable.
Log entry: 9,41,49
